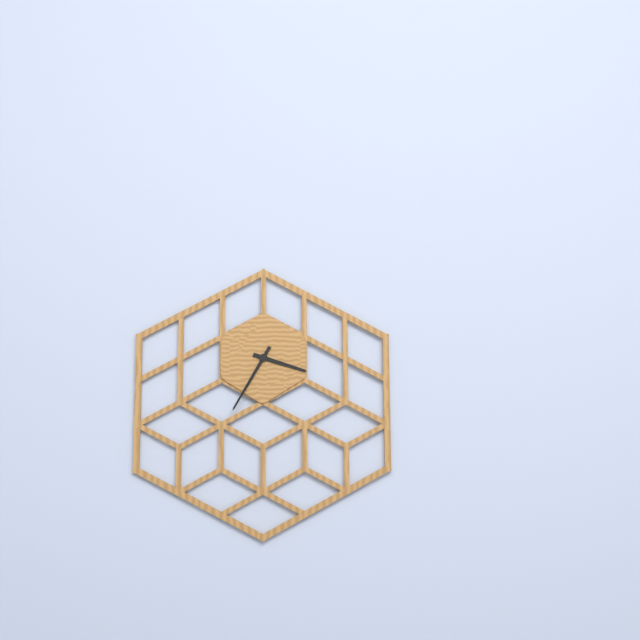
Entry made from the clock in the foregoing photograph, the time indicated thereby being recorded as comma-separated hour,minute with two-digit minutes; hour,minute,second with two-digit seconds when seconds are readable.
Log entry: 3,35
